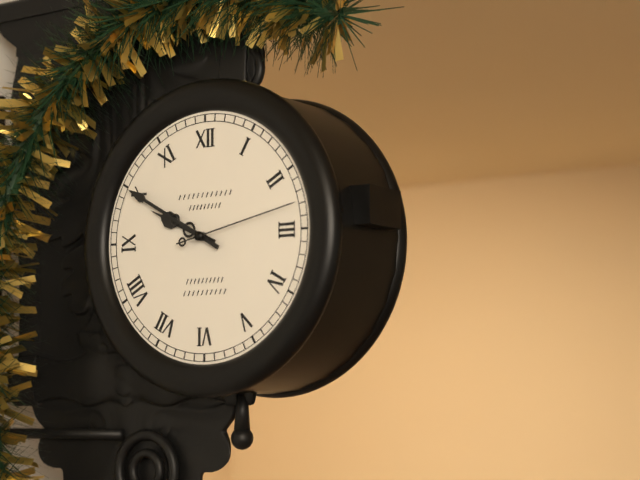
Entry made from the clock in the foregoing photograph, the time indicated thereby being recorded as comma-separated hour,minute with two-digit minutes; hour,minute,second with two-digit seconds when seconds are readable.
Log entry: 9,50,13
